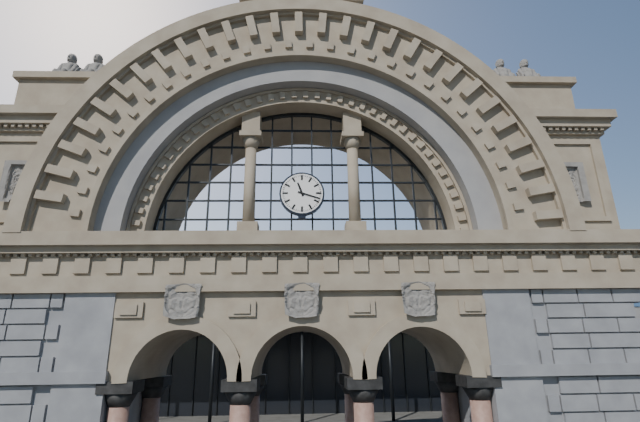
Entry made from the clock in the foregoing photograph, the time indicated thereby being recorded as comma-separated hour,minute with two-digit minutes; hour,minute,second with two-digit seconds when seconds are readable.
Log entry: 11,18
